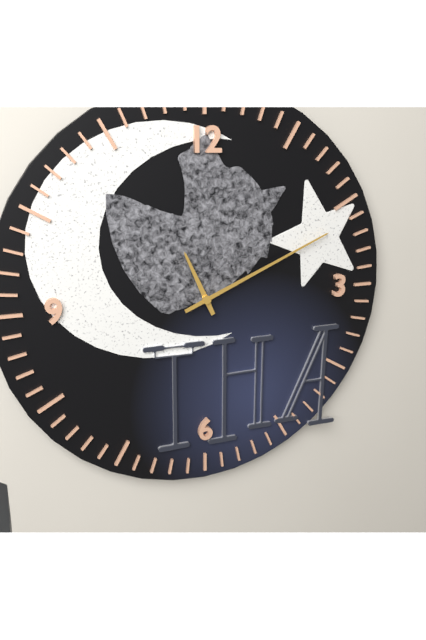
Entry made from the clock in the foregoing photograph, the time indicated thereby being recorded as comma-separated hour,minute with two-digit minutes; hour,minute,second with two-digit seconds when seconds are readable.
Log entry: 11,11
